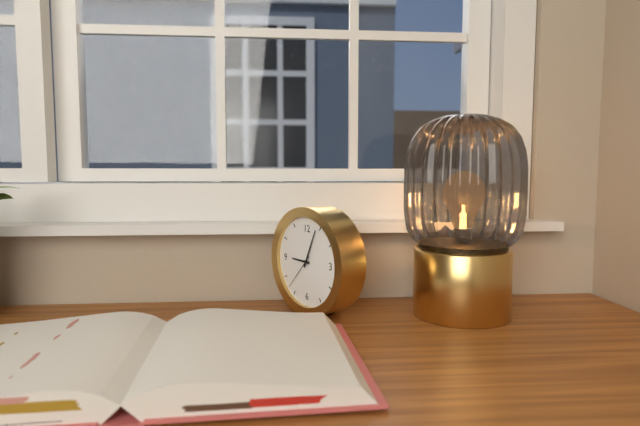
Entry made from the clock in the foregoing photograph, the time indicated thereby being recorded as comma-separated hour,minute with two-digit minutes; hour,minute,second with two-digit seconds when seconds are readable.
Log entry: 9,04
